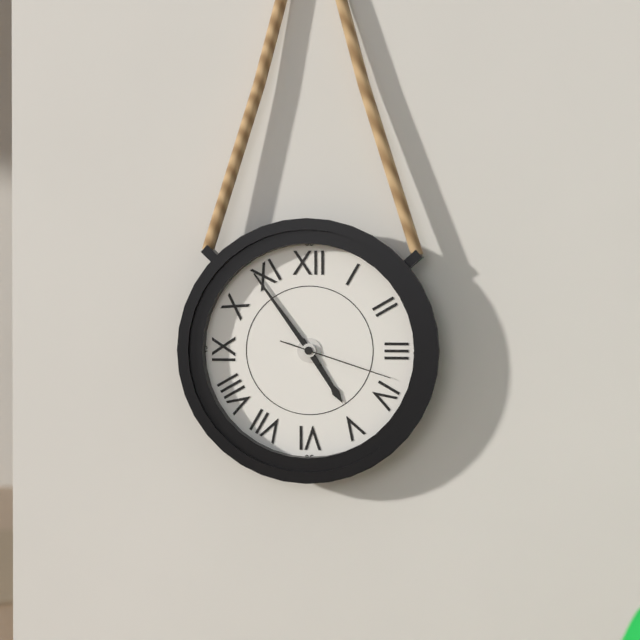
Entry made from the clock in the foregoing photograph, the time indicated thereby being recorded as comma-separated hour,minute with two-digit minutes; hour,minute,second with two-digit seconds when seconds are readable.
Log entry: 4,54,18
